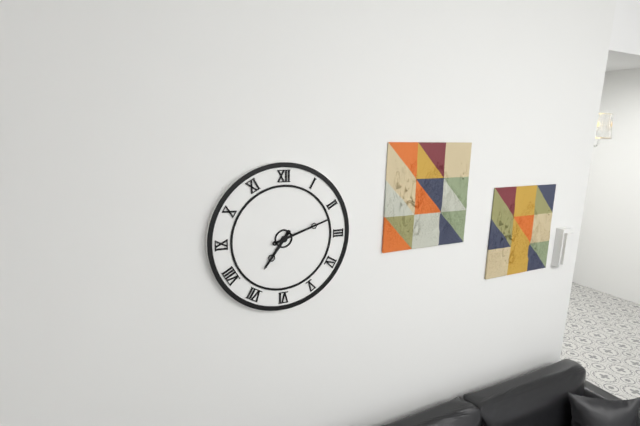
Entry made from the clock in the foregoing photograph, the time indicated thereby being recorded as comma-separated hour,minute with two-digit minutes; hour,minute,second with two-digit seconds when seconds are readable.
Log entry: 7,12
